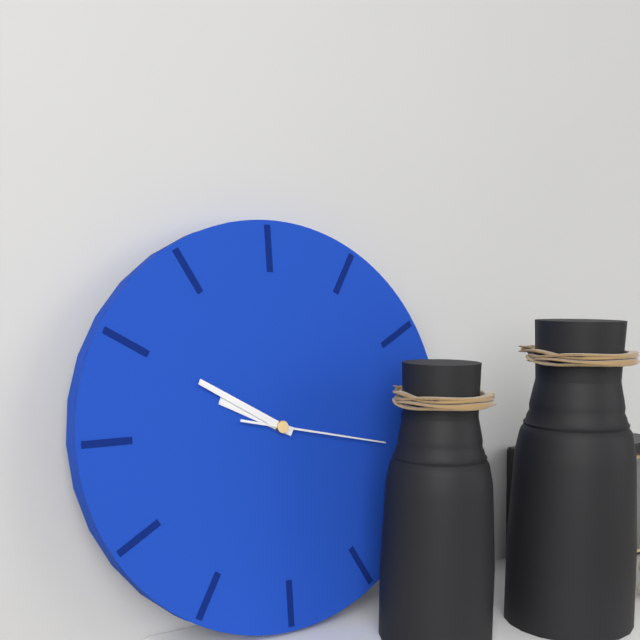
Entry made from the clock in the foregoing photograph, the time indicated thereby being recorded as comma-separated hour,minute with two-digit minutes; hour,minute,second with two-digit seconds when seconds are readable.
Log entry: 9,50,17
